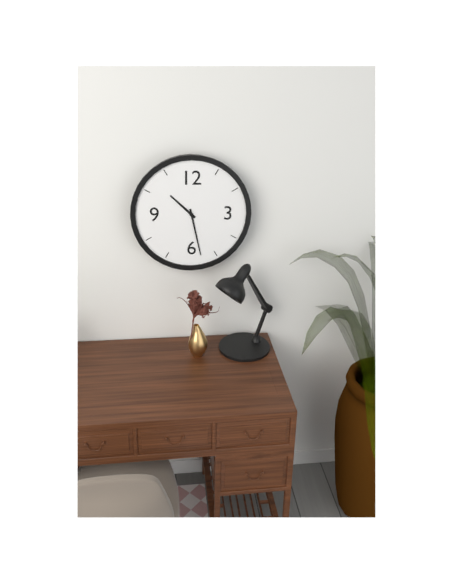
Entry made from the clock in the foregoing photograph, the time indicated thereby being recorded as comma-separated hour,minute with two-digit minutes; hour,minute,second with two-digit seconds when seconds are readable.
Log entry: 10,28
